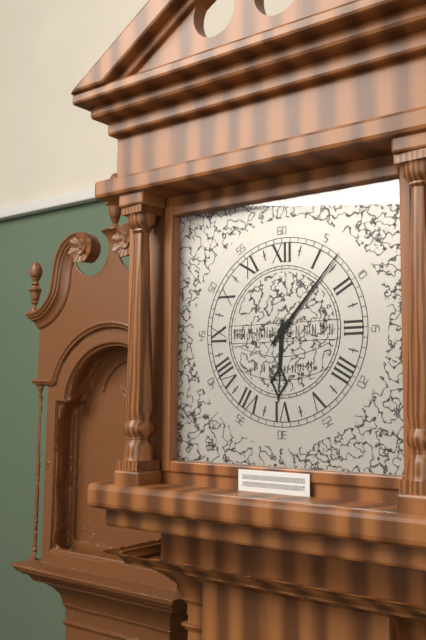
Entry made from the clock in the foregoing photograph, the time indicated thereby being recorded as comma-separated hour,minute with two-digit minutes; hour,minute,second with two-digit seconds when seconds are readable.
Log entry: 6,07
